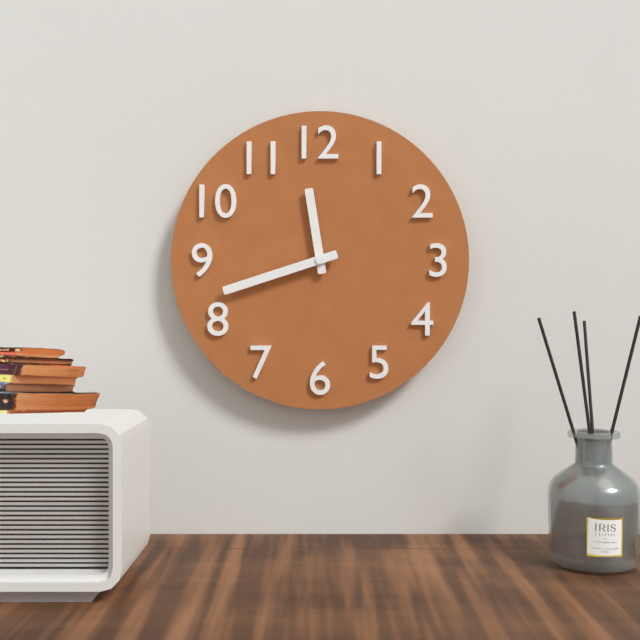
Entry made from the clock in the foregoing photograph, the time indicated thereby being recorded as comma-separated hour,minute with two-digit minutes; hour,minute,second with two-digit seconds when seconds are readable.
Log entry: 11,42
